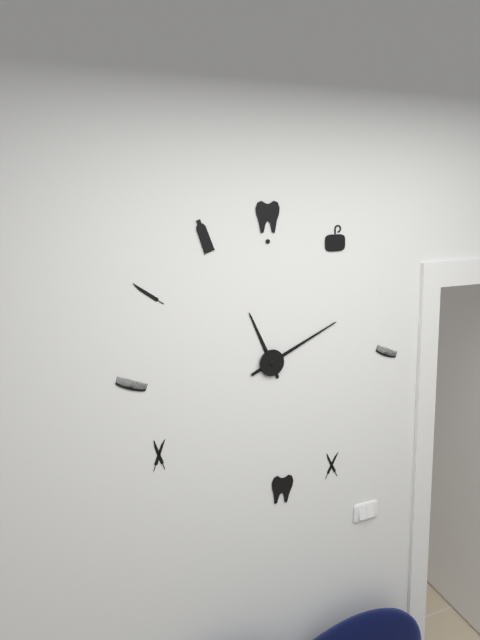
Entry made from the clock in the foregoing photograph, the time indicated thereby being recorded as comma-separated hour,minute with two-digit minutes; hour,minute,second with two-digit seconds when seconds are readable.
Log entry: 11,11
